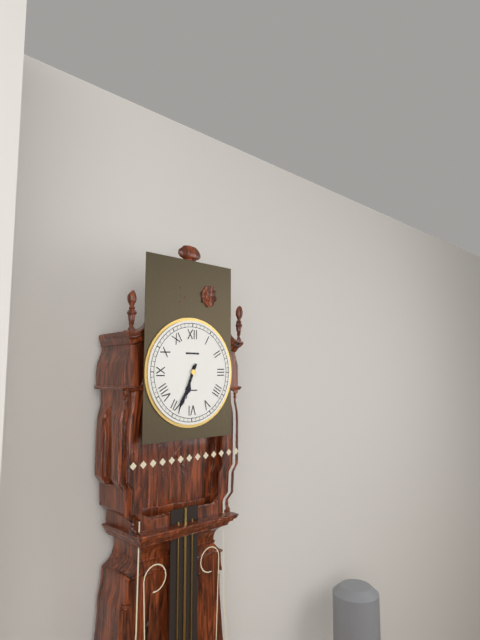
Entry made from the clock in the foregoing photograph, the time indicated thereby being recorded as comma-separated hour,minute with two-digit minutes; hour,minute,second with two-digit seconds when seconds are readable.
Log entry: 6,34
